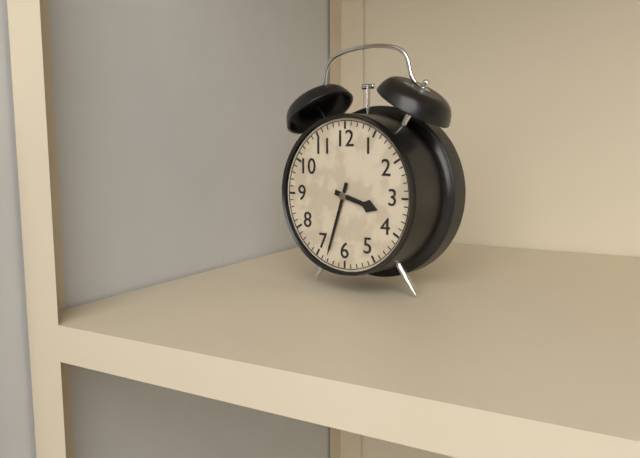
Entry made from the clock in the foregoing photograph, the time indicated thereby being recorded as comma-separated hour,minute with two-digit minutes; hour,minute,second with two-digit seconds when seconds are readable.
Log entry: 3,33
